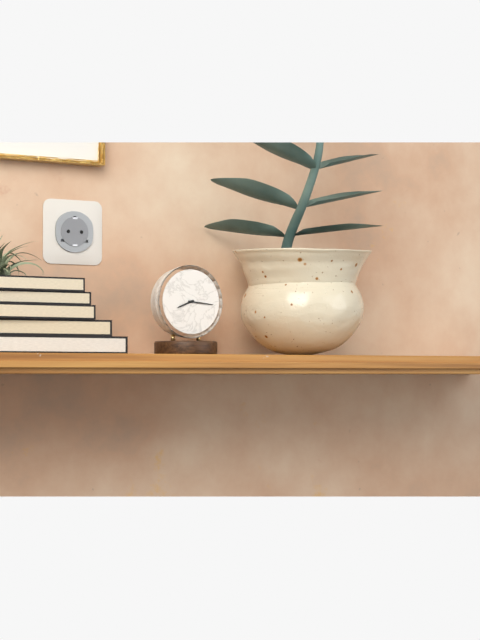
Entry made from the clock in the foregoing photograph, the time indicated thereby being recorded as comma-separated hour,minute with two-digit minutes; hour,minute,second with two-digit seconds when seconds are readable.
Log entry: 8,16
